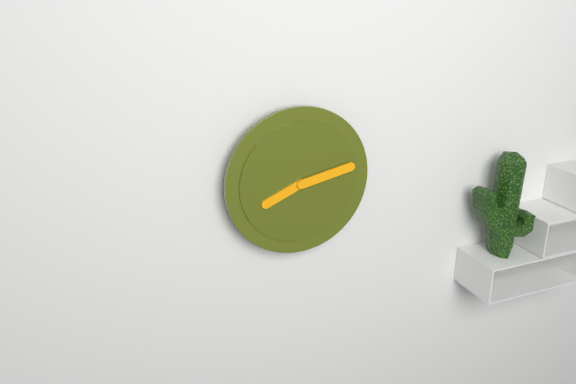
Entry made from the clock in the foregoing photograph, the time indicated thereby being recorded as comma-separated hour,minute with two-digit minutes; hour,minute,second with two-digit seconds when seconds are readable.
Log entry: 8,13
